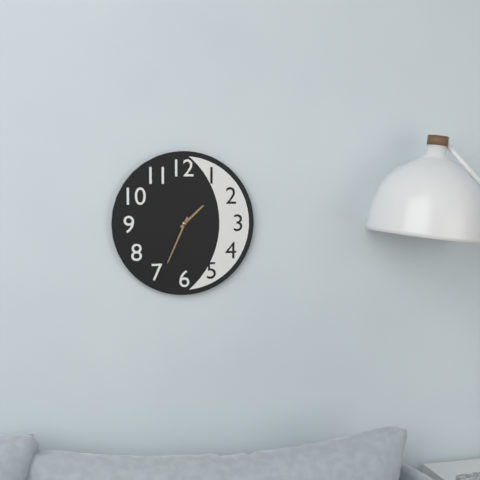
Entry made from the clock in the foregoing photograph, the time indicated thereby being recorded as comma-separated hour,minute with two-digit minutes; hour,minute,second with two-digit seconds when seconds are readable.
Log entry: 1,34
